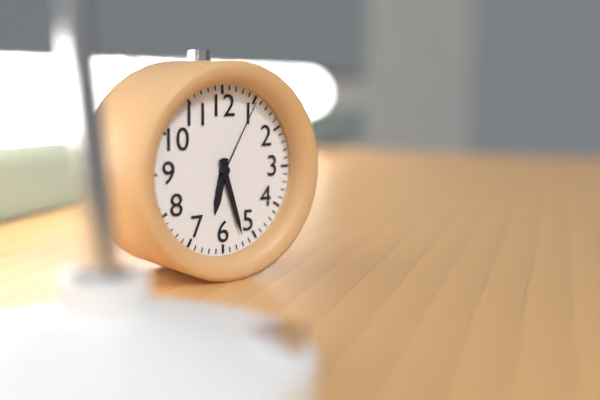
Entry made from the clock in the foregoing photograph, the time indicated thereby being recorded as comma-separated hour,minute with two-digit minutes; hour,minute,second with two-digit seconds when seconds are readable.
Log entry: 6,27,05
